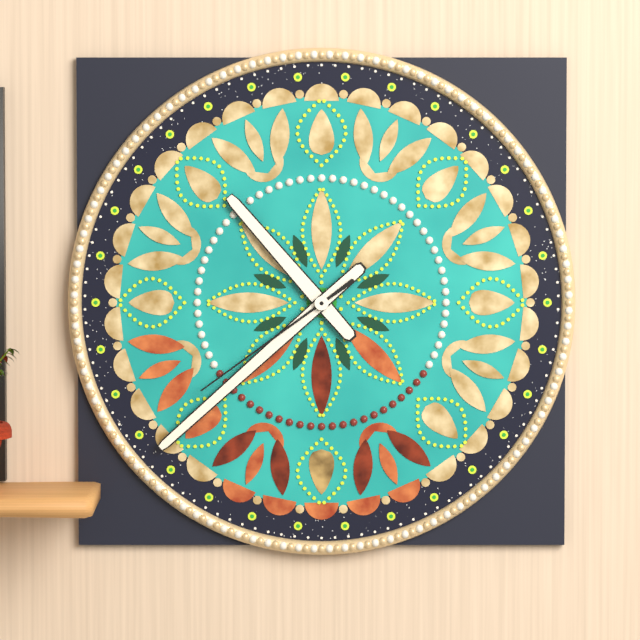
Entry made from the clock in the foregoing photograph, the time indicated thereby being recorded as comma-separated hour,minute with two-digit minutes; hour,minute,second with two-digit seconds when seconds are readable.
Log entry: 10,38,39
